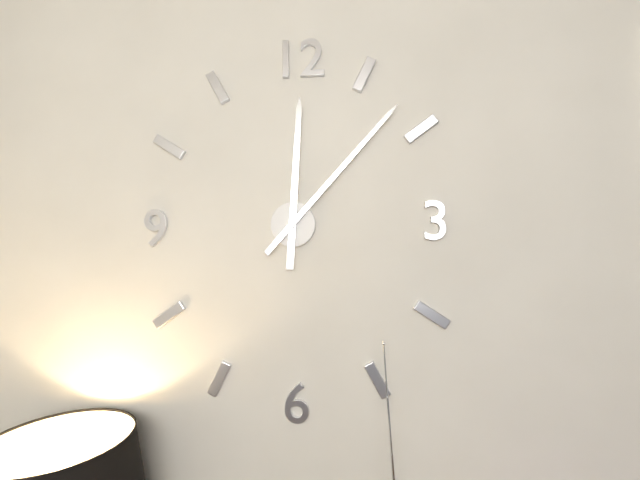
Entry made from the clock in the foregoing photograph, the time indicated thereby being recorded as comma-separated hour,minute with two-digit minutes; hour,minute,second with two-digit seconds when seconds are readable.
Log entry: 12,07
